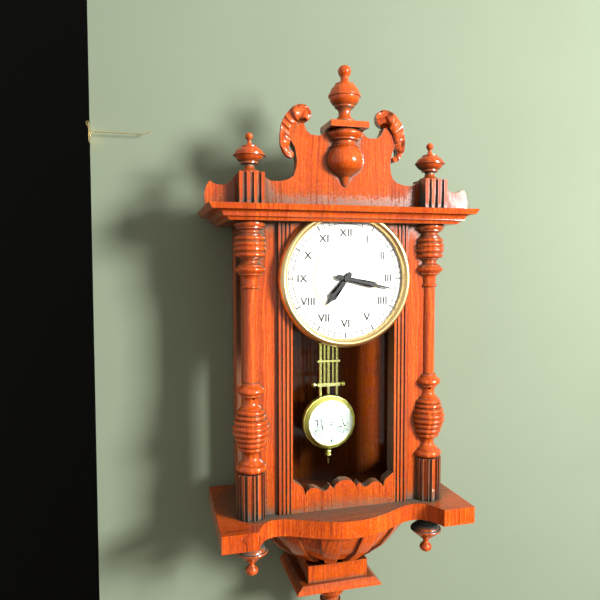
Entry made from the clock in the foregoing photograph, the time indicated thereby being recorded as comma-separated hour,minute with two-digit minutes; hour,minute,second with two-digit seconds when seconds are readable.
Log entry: 7,17
